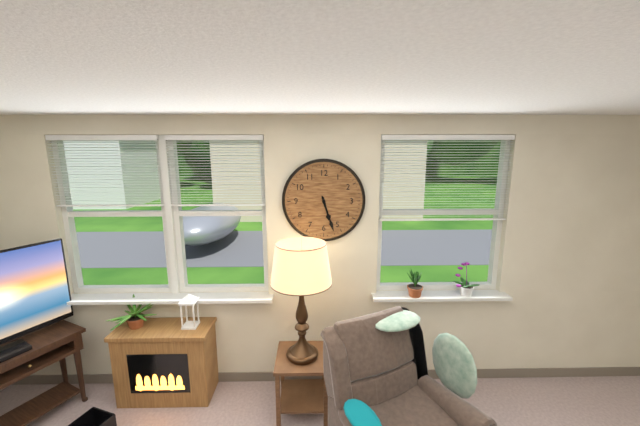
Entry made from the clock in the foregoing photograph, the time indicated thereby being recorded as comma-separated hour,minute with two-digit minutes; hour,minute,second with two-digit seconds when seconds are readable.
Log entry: 5,27
